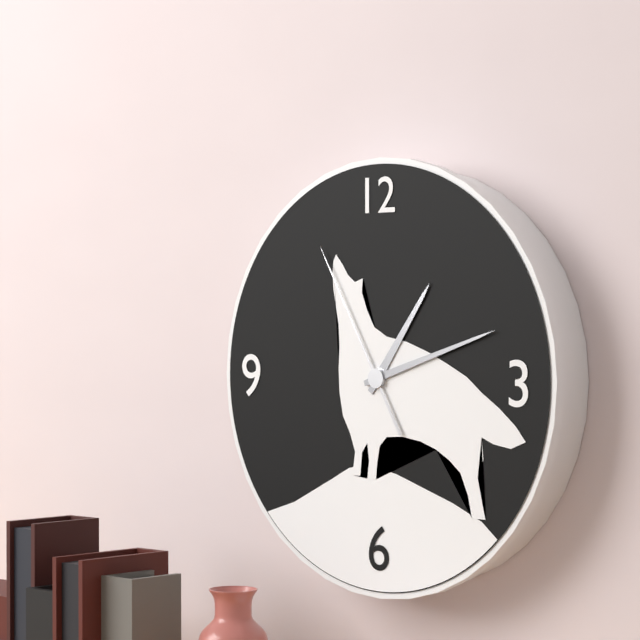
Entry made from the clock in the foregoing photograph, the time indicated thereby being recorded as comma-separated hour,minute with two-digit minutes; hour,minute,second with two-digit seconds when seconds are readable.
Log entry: 1,12,55
